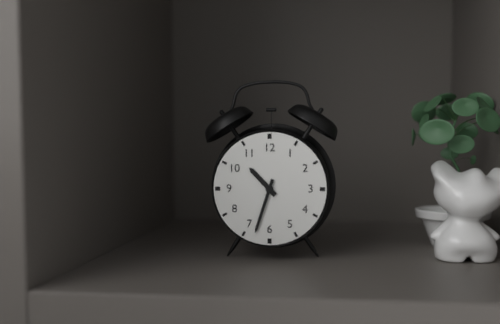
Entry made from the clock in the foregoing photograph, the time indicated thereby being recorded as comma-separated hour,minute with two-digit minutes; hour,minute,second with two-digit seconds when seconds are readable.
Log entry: 10,33
